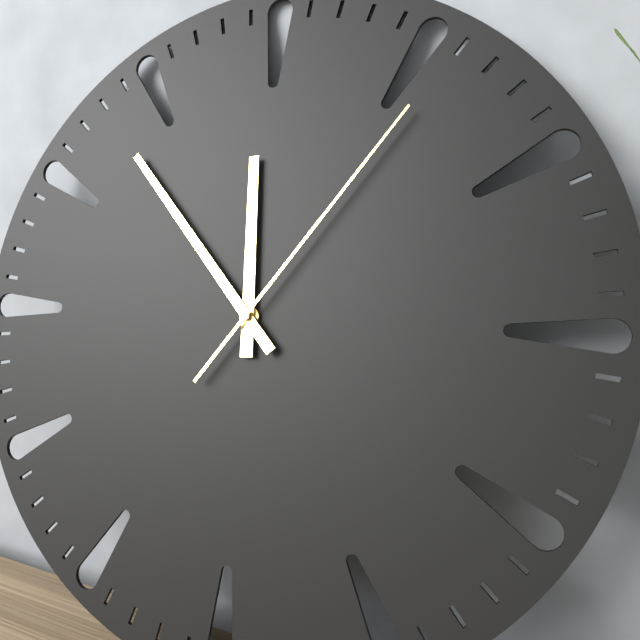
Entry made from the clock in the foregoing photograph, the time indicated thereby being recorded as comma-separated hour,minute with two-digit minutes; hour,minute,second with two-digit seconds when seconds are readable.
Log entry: 11,53,06
